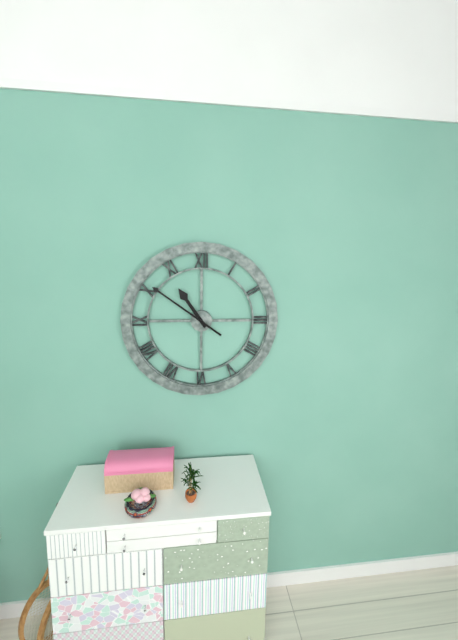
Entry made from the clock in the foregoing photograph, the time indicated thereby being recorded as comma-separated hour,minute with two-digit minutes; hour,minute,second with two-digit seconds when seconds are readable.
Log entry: 10,51
